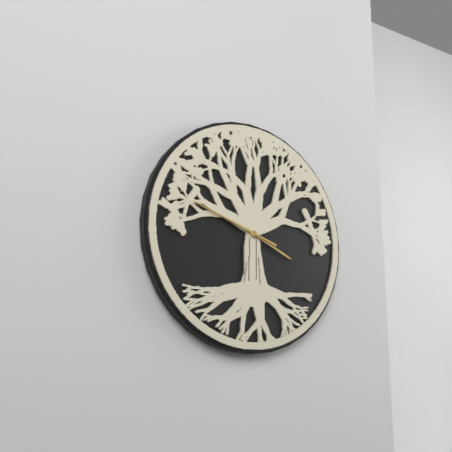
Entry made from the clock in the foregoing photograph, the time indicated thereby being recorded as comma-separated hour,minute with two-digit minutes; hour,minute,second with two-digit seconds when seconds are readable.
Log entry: 3,48
